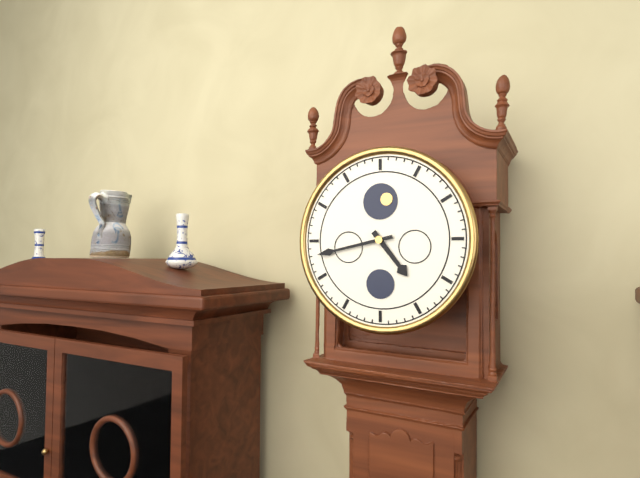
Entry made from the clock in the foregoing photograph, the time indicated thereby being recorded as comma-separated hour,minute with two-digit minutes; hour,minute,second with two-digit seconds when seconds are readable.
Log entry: 4,43
